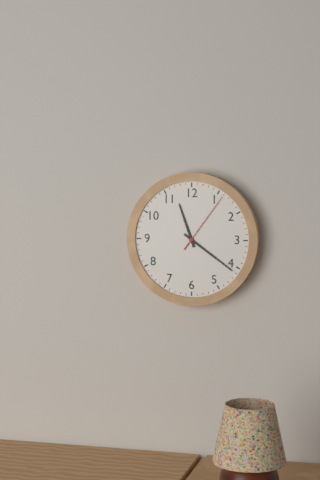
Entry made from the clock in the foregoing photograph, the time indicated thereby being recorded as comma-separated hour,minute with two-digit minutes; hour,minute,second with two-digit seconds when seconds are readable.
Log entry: 11,21,06
